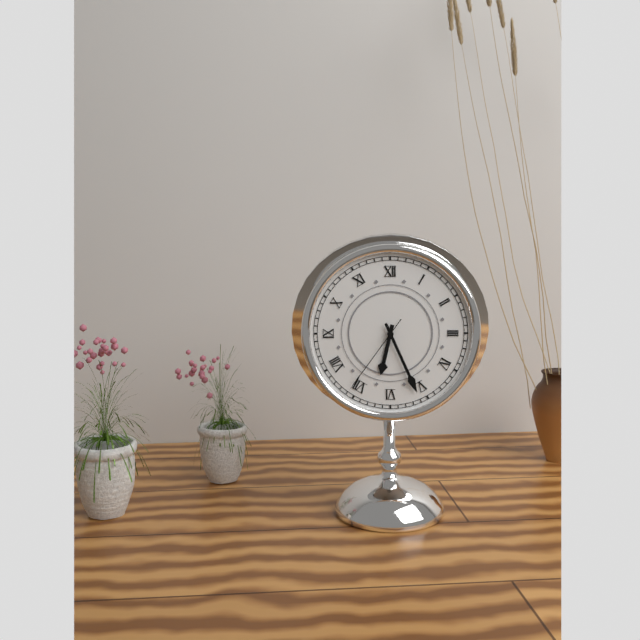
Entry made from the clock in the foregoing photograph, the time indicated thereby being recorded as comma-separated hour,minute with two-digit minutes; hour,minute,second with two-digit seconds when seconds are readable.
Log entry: 6,26,36
